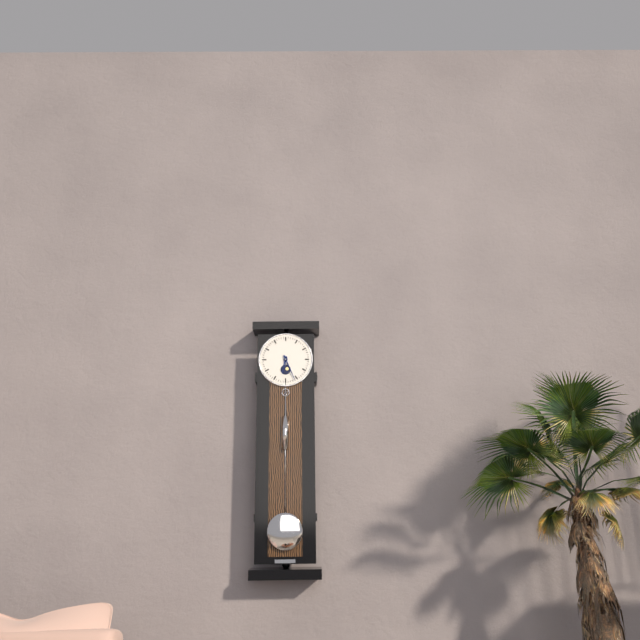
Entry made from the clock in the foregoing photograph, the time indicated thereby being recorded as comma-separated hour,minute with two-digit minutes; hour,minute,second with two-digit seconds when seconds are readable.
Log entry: 6,26
